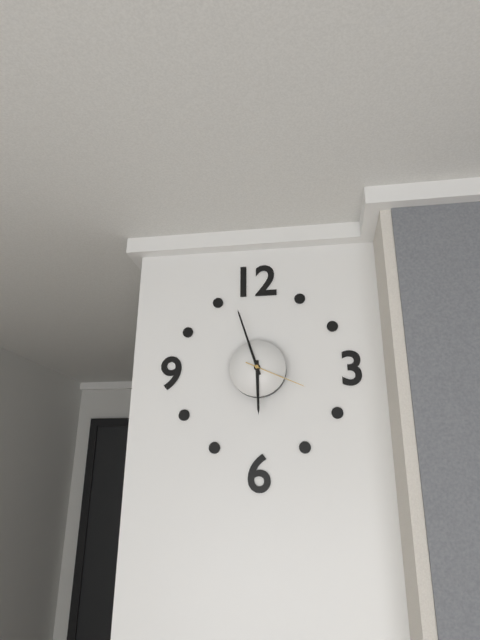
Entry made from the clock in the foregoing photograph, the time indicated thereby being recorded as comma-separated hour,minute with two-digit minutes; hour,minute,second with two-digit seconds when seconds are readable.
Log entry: 5,57,19
